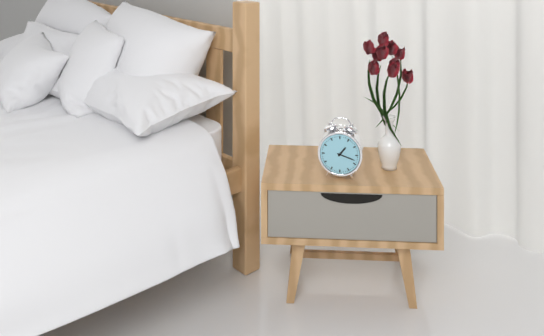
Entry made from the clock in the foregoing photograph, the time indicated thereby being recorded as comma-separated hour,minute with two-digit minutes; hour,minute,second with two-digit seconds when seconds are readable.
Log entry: 1,18
